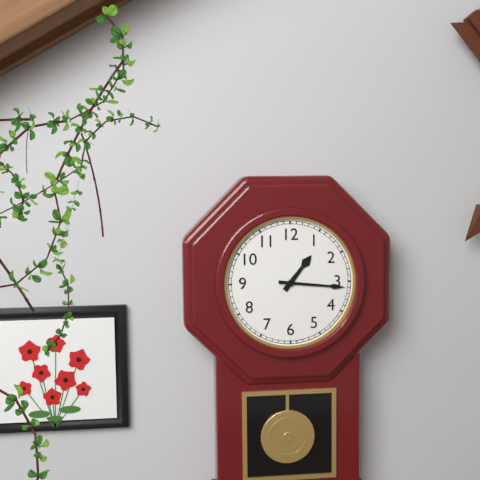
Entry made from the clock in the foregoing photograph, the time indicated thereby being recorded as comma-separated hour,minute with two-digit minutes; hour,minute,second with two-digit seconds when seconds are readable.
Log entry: 1,16
